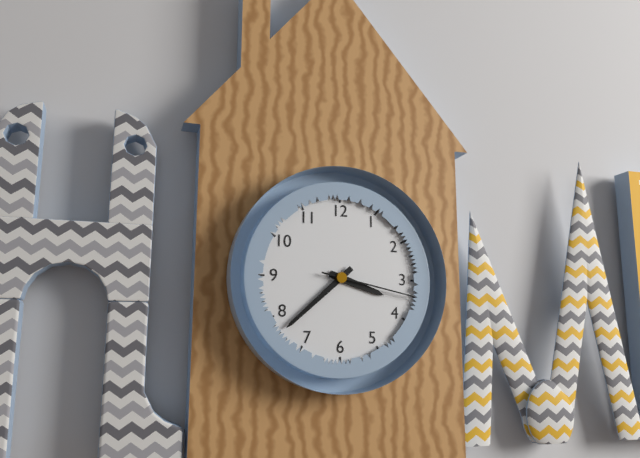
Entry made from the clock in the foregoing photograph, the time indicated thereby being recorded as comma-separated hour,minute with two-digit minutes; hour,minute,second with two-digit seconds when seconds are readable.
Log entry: 3,38,17
